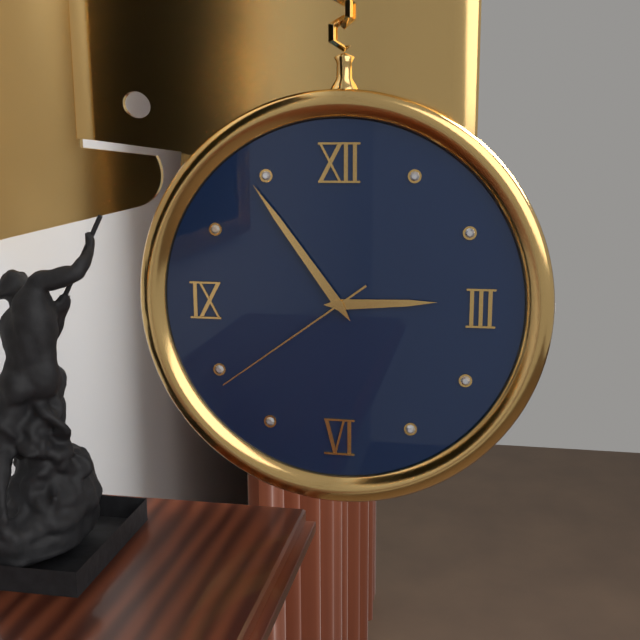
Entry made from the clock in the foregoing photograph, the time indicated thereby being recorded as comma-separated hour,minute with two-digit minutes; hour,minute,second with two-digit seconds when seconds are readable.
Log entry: 2,54,39
